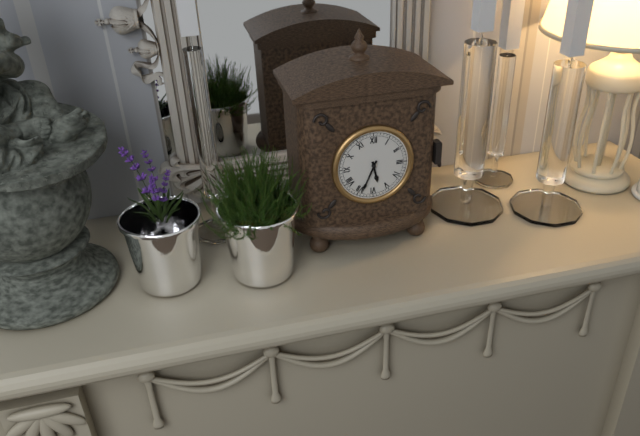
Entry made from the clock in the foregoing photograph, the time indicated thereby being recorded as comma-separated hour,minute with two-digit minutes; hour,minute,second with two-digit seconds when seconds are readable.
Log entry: 5,34
